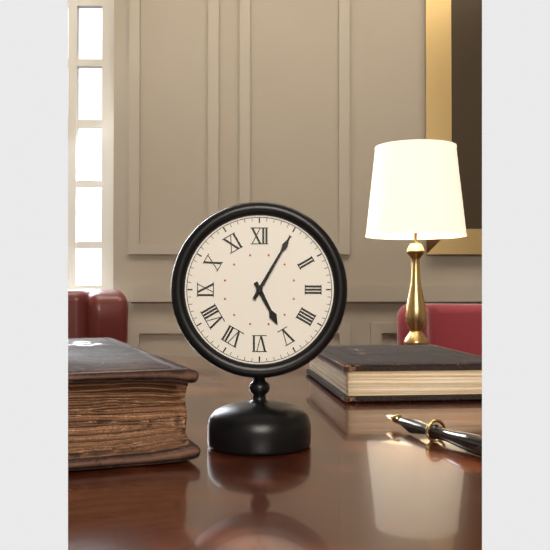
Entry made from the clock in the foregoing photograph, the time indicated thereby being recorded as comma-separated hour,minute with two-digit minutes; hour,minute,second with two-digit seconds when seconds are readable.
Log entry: 5,05
